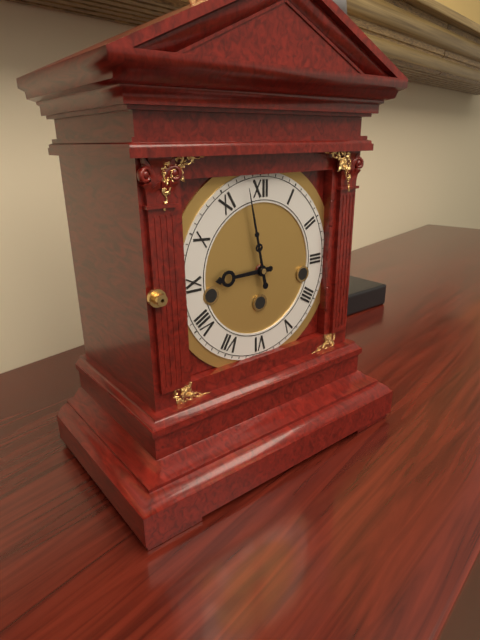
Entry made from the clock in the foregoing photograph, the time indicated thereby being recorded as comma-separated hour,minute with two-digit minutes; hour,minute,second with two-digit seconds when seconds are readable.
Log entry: 8,58
